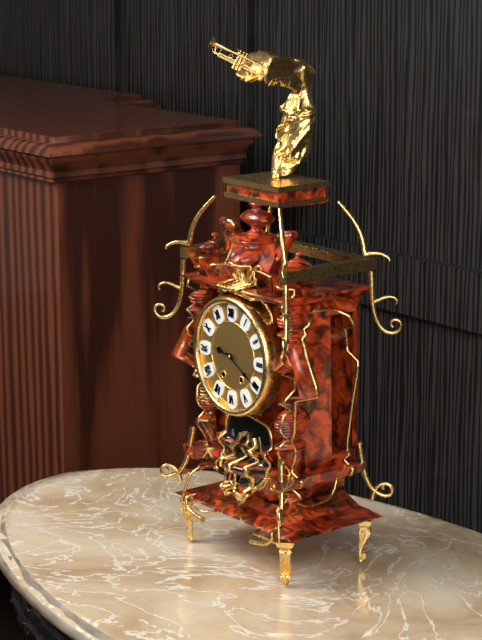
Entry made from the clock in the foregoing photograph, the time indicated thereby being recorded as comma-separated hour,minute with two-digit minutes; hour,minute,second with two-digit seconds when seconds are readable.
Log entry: 9,20
